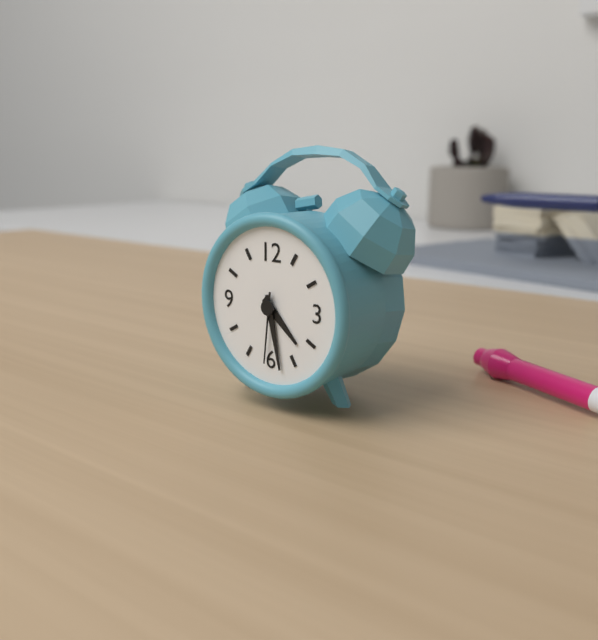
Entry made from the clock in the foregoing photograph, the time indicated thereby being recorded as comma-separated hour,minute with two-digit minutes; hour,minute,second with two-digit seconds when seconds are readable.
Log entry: 4,28,31
